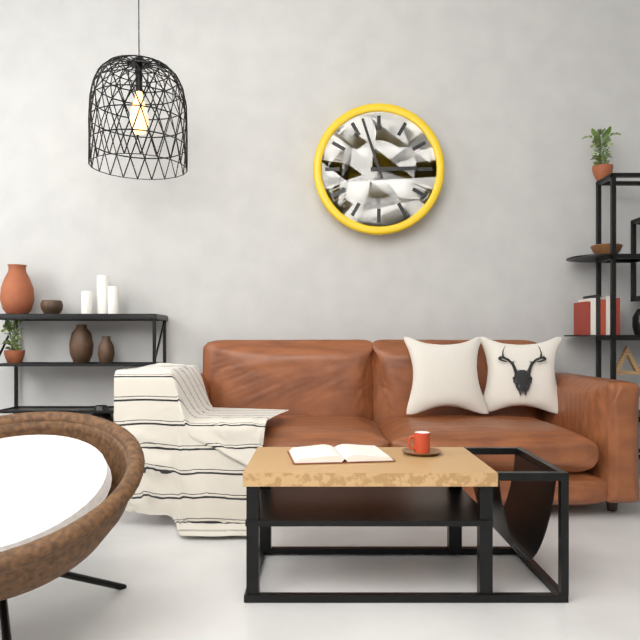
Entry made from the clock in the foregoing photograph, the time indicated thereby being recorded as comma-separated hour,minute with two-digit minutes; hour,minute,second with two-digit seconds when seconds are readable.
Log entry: 2,57
